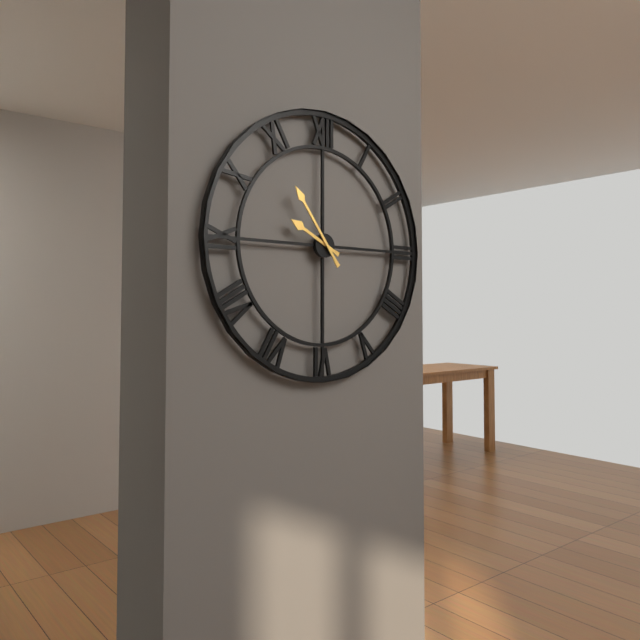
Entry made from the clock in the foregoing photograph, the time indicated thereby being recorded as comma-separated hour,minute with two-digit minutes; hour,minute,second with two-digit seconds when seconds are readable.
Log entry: 9,54
